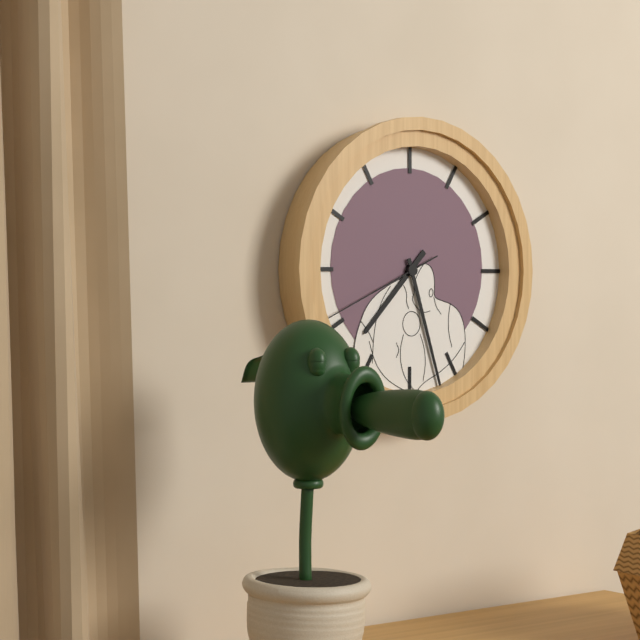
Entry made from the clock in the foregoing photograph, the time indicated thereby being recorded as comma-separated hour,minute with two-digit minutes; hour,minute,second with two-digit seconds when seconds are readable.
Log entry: 7,27,41
